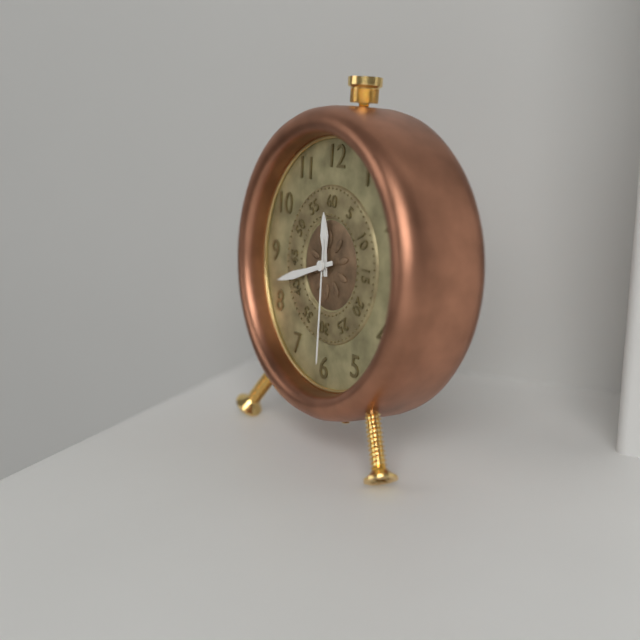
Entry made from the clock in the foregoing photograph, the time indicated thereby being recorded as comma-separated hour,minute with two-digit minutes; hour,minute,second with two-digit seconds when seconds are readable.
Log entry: 11,42,30
